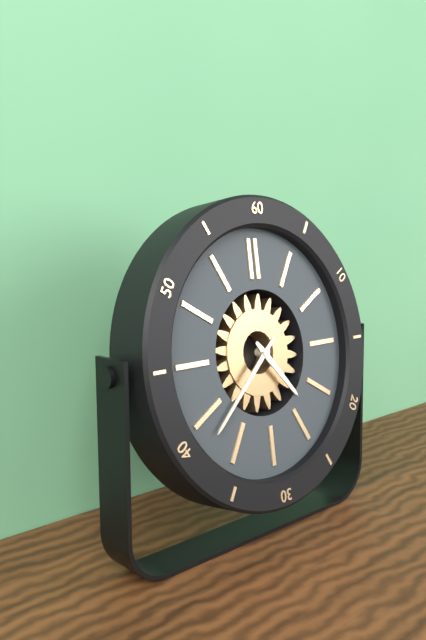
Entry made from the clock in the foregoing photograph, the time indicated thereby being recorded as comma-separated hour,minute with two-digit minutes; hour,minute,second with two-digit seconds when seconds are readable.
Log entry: 4,38
